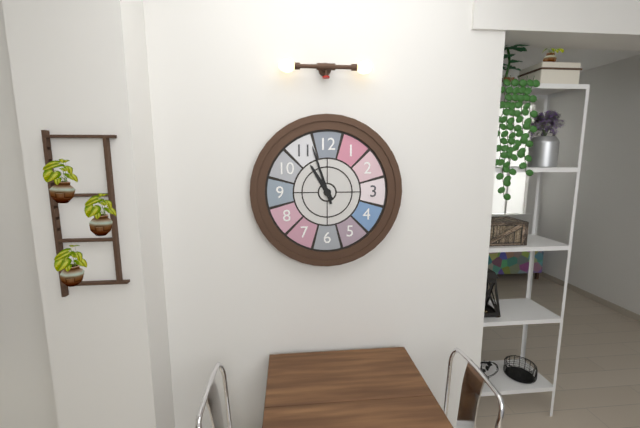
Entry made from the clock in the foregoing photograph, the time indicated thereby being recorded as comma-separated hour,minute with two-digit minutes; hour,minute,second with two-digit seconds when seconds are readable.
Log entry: 10,57
